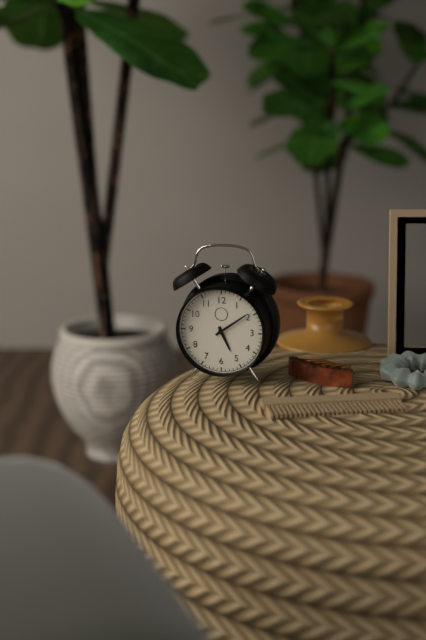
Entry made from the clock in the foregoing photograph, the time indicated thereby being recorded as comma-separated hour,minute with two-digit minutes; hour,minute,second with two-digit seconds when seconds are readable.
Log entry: 5,09
